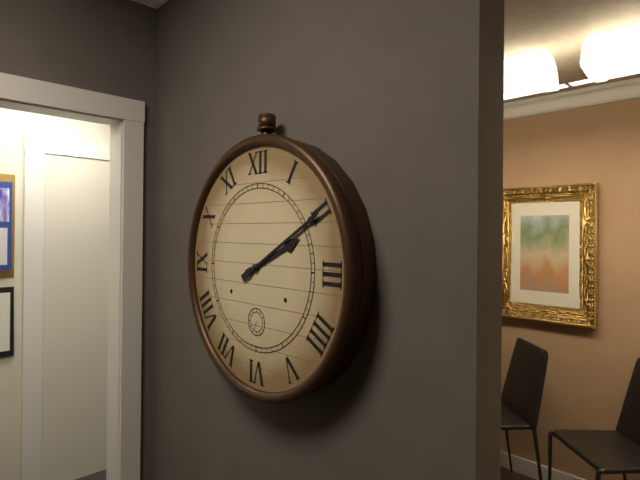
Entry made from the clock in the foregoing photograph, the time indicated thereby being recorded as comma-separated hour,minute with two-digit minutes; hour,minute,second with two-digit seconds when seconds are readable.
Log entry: 2,10
